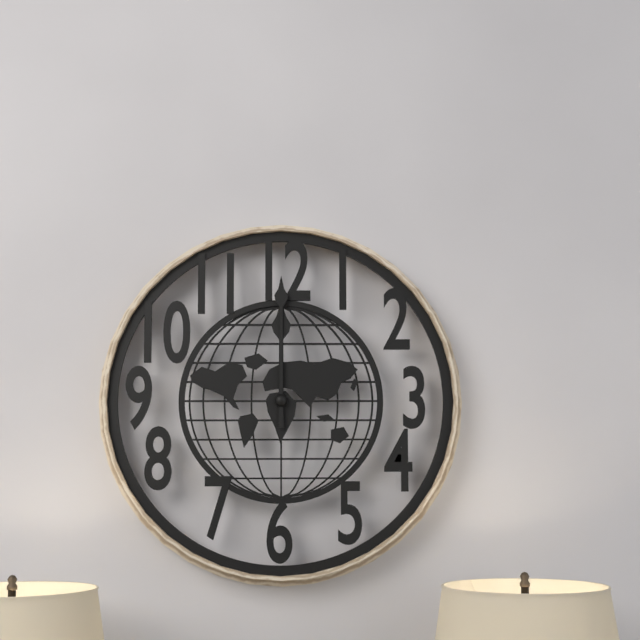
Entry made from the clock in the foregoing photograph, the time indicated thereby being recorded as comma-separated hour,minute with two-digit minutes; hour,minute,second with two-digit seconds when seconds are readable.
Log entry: 12,00
